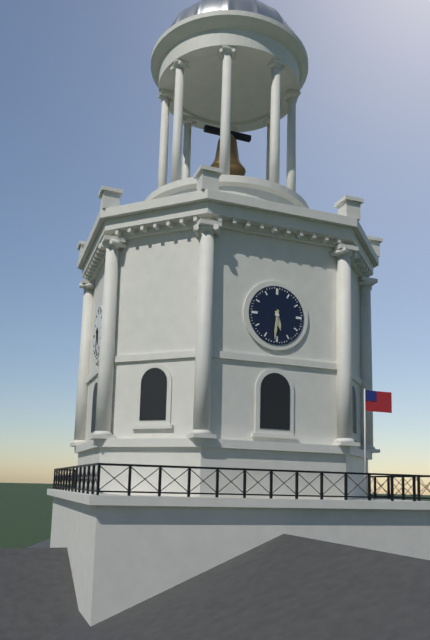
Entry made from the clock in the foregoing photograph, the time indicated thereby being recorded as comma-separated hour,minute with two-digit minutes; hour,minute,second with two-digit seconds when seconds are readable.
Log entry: 5,31
